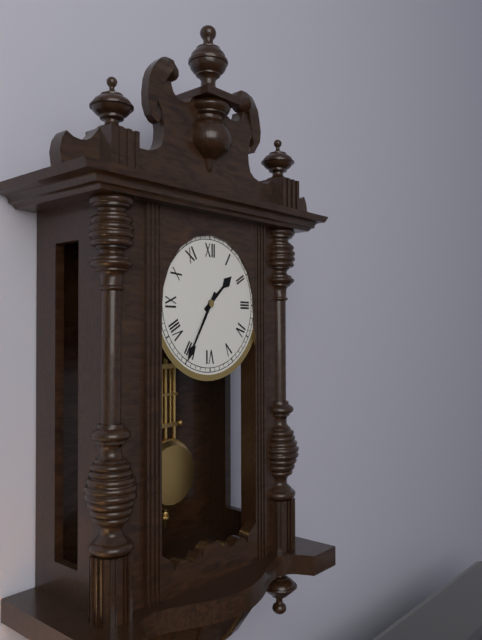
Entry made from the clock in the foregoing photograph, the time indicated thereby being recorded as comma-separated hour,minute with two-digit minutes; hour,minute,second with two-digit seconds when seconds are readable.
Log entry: 1,35
